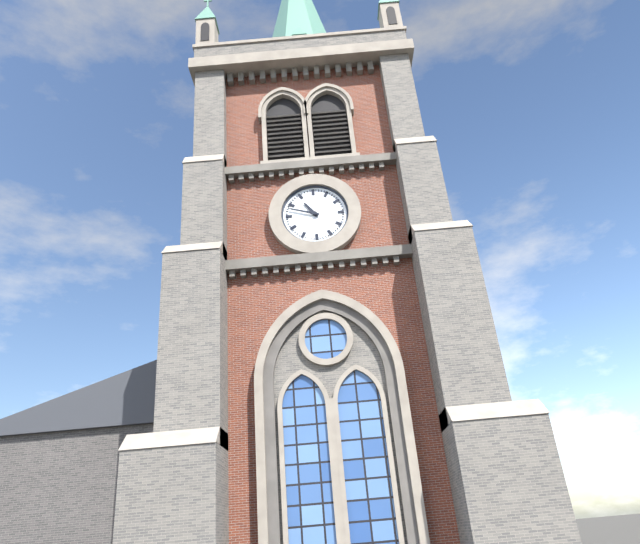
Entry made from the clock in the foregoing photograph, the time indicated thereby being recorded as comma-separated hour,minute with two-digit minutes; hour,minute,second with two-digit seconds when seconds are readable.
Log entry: 10,48
